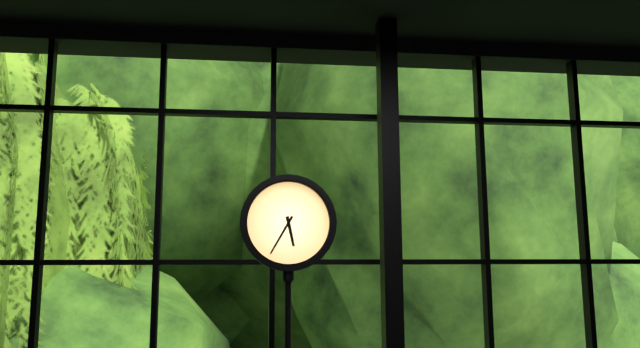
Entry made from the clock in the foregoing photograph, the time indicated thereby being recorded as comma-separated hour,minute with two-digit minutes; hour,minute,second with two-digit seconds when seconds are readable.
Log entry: 5,35
